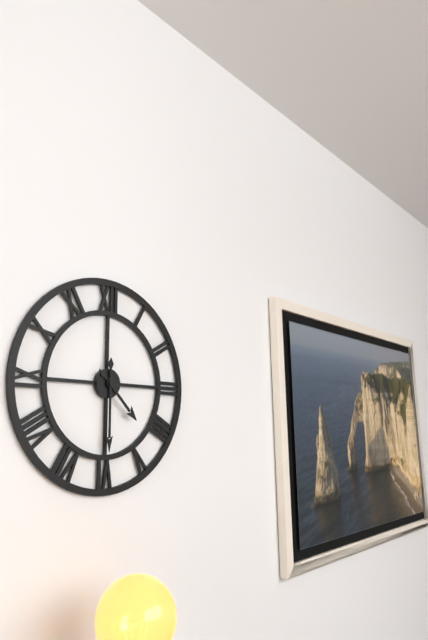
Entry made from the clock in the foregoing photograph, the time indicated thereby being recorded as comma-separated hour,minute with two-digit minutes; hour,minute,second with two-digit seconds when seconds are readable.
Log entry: 4,30
